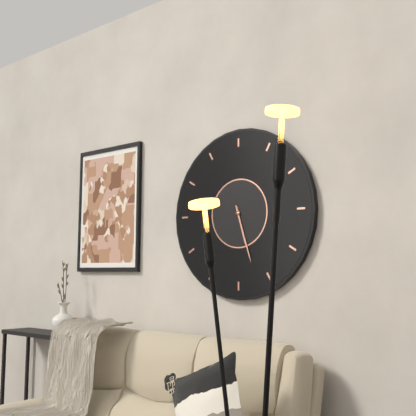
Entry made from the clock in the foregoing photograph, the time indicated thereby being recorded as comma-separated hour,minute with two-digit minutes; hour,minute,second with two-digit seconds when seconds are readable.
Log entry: 5,27
